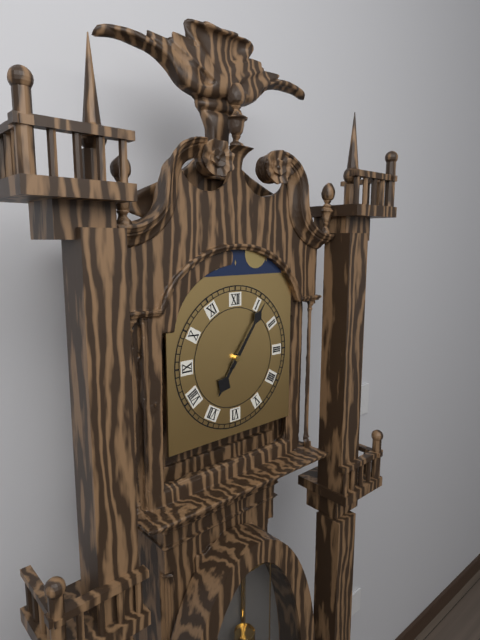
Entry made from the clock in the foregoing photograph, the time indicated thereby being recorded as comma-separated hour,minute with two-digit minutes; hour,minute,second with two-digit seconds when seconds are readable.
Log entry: 7,06
